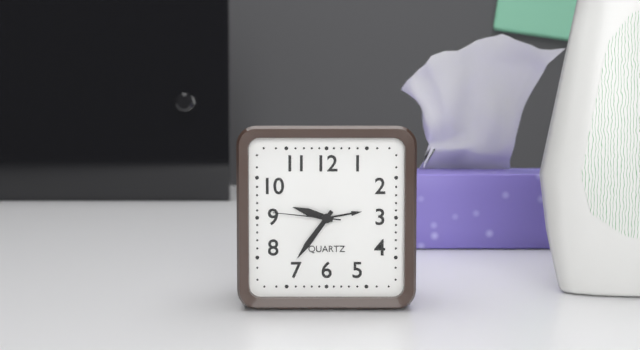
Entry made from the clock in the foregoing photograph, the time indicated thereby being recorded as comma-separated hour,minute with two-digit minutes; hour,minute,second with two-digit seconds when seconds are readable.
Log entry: 9,36,46
